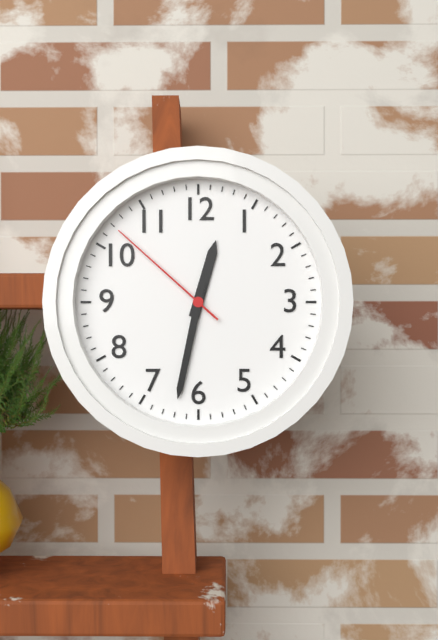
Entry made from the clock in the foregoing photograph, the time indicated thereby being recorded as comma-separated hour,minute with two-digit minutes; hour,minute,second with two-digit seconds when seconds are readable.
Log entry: 12,32,52
